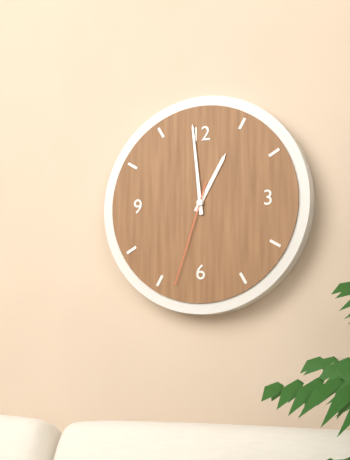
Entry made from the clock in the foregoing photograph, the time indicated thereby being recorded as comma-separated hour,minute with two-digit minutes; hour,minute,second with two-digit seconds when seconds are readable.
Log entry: 12,59,33
